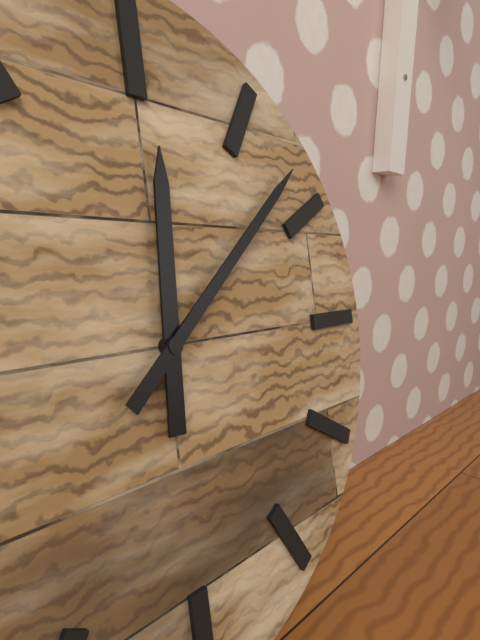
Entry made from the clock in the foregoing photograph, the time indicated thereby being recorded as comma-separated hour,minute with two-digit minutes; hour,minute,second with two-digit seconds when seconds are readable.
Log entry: 12,08
